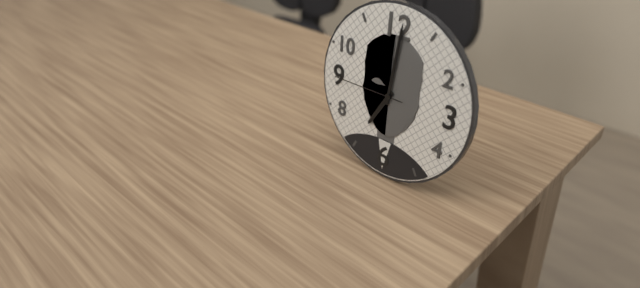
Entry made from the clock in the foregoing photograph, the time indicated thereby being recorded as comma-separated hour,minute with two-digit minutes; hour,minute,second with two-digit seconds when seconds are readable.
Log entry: 7,01,45
